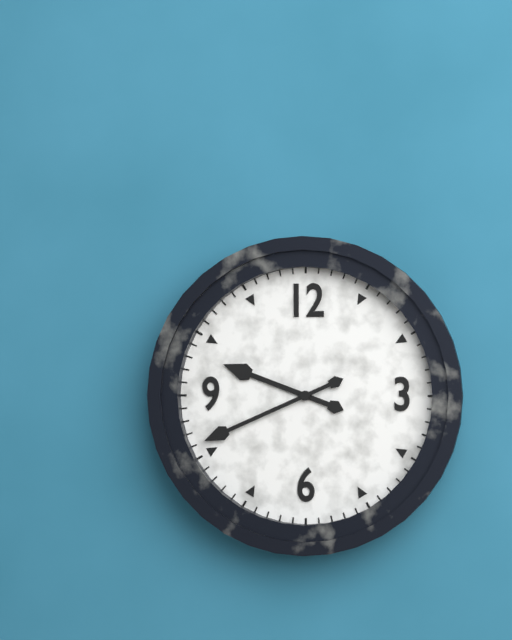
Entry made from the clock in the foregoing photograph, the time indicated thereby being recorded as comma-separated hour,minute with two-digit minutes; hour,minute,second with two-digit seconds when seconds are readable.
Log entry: 9,41
